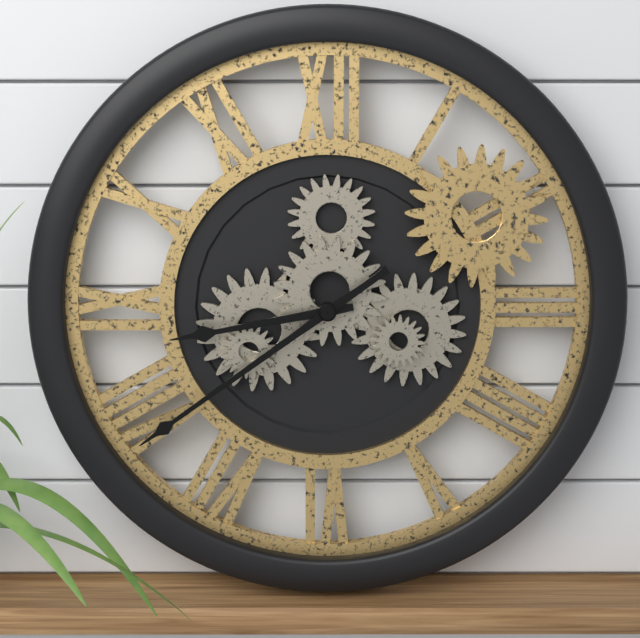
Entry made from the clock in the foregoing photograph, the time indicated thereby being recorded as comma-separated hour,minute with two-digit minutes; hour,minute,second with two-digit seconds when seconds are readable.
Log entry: 8,39
